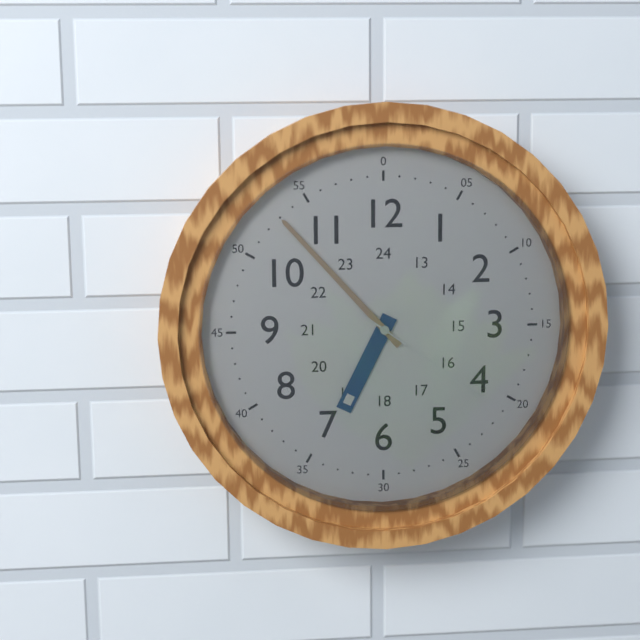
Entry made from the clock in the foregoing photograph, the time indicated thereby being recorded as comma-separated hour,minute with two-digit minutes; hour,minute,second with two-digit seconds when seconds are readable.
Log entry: 6,53,21
